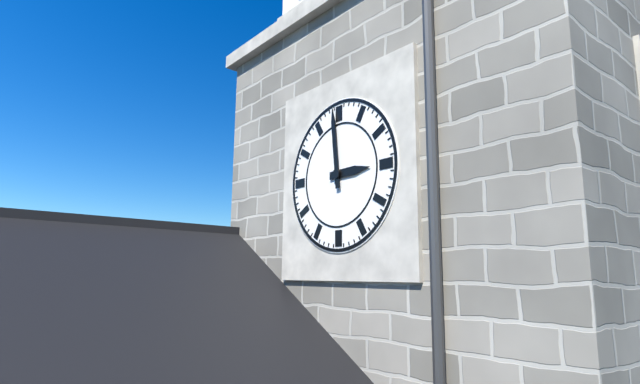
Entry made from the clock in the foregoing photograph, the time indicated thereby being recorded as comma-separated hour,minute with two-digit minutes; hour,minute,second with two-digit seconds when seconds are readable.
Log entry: 2,59
